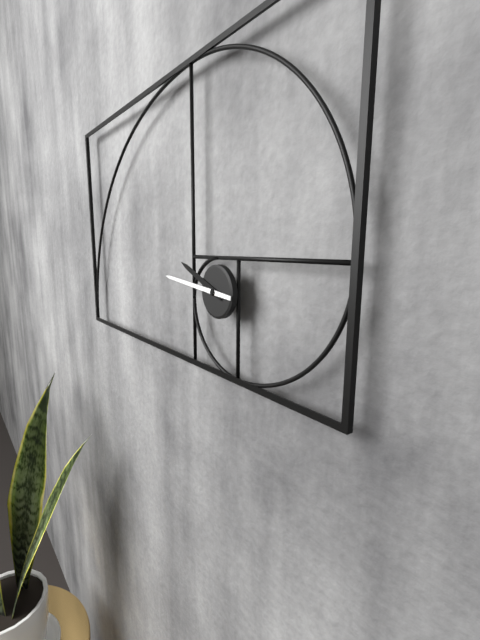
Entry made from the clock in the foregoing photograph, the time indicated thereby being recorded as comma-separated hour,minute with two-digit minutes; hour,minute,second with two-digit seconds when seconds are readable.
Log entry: 9,46
